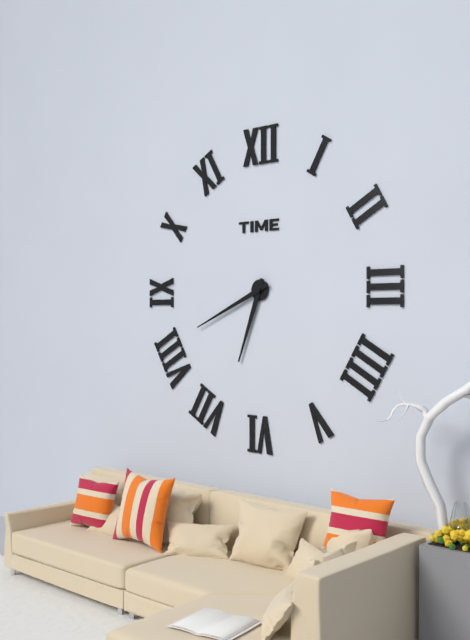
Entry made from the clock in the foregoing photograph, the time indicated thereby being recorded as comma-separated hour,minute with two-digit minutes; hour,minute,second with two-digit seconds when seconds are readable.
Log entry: 6,41
